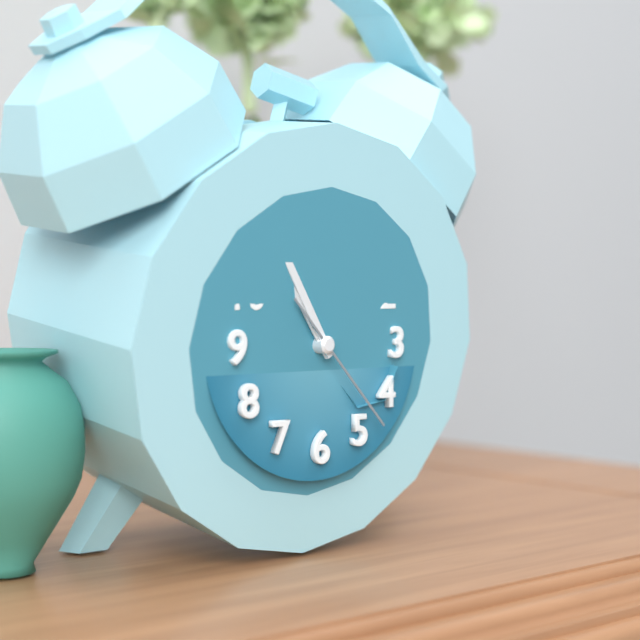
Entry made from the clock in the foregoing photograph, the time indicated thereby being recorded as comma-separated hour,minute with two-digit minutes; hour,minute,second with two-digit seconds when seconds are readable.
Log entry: 10,55,23
